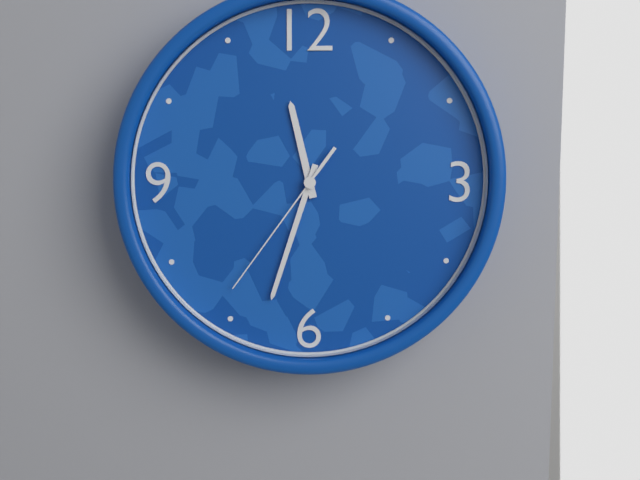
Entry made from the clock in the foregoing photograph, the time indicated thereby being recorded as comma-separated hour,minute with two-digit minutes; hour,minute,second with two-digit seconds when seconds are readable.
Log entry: 11,33,36
